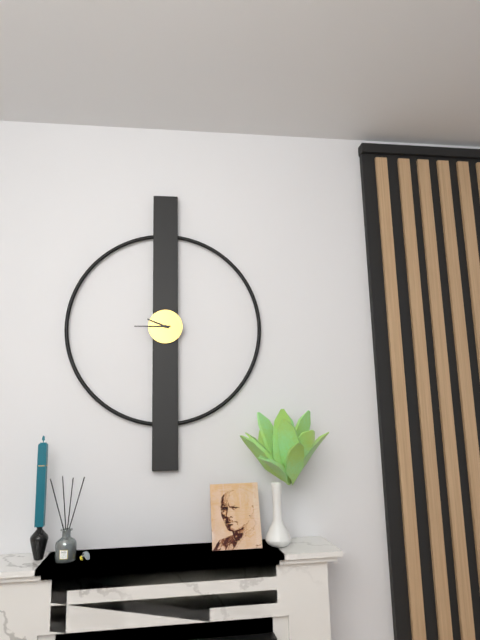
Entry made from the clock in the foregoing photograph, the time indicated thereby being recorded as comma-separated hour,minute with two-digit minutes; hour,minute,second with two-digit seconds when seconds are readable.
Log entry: 9,45
